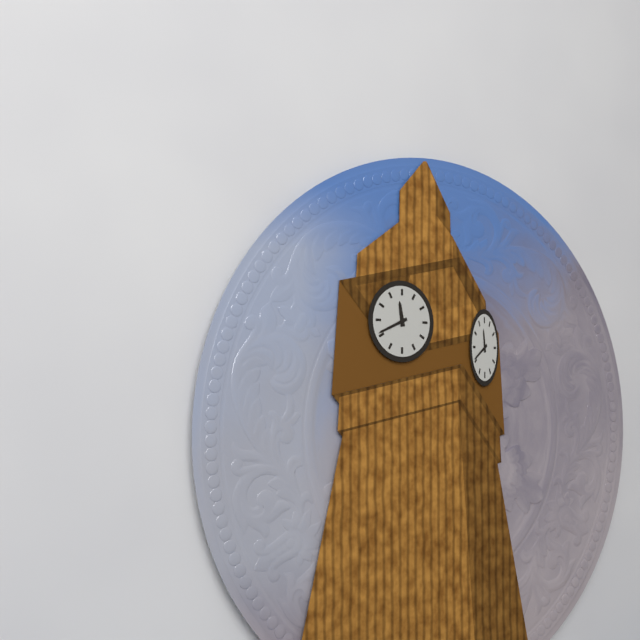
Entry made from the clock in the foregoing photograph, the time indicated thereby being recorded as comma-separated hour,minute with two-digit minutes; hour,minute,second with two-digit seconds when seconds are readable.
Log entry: 11,41
